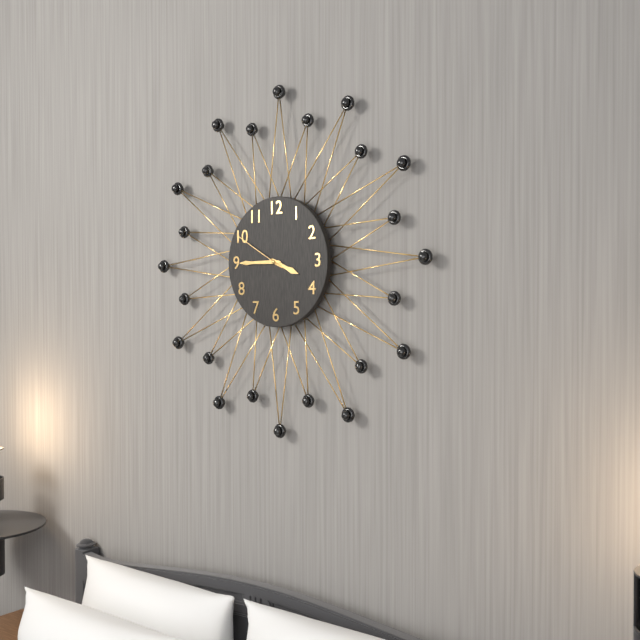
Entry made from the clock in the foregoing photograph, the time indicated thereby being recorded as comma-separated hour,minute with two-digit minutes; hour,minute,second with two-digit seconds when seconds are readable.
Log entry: 3,45,50
